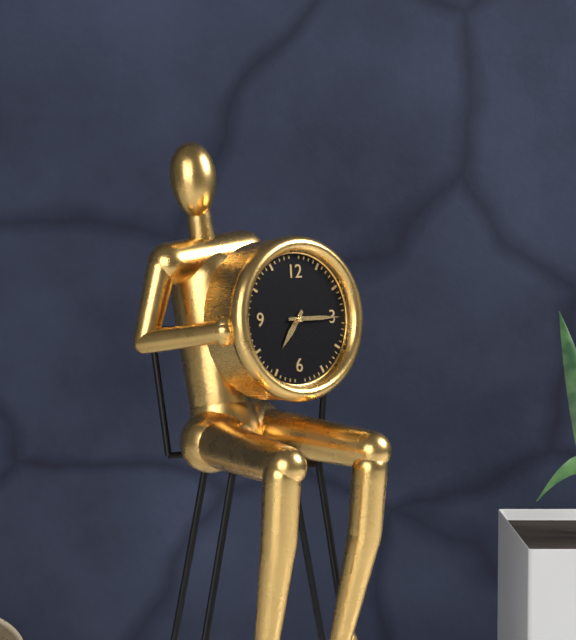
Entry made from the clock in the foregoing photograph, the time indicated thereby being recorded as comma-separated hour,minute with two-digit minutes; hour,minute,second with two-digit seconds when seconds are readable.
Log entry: 7,15
